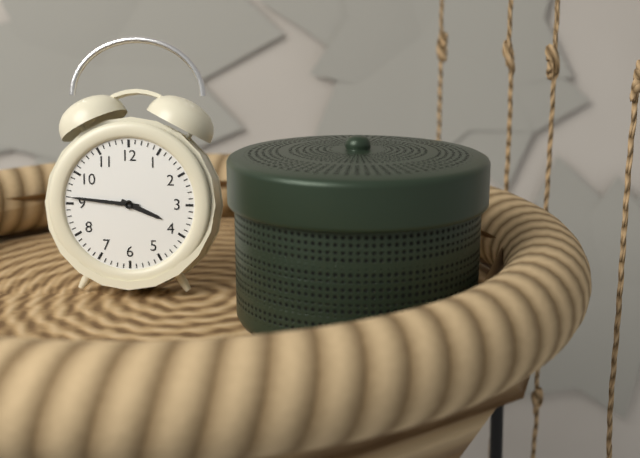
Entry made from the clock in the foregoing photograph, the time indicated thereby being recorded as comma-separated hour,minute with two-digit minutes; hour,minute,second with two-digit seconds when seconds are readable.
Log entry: 3,46
